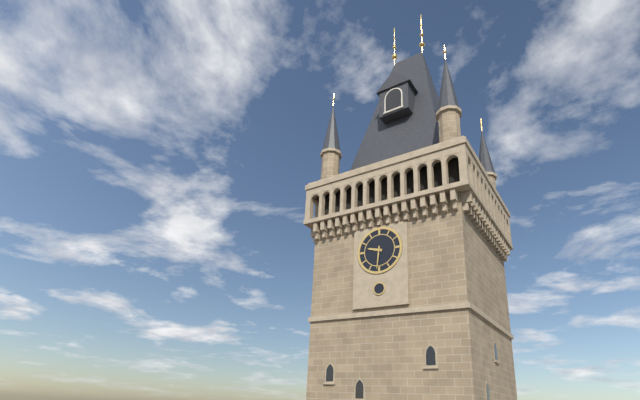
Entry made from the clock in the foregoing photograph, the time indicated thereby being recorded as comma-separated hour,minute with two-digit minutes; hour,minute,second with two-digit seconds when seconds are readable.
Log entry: 9,31
